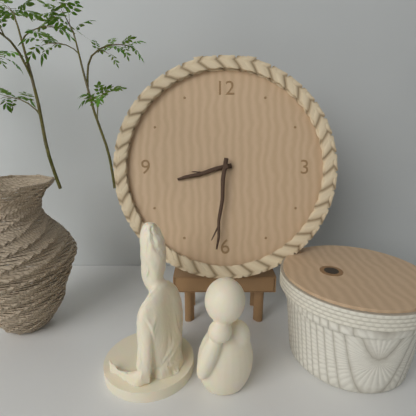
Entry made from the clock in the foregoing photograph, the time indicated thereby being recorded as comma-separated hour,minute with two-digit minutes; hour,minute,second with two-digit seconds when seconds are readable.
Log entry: 8,31
